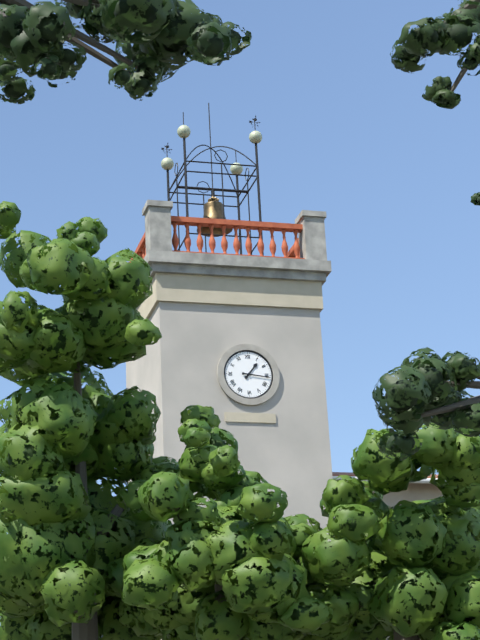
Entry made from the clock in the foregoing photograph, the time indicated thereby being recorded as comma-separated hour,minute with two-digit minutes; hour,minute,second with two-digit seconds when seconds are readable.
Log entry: 1,16
